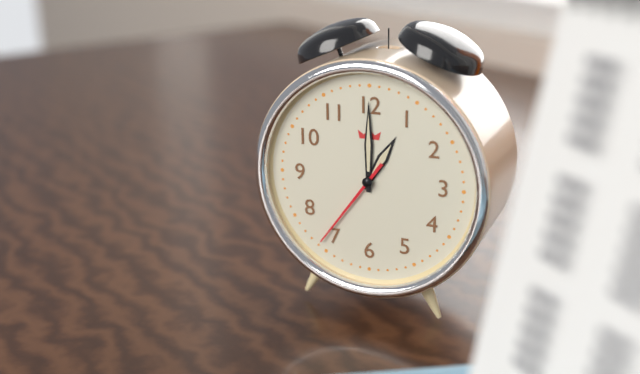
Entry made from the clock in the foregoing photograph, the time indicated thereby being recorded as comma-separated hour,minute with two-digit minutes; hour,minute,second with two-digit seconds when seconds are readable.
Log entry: 1,00,36
